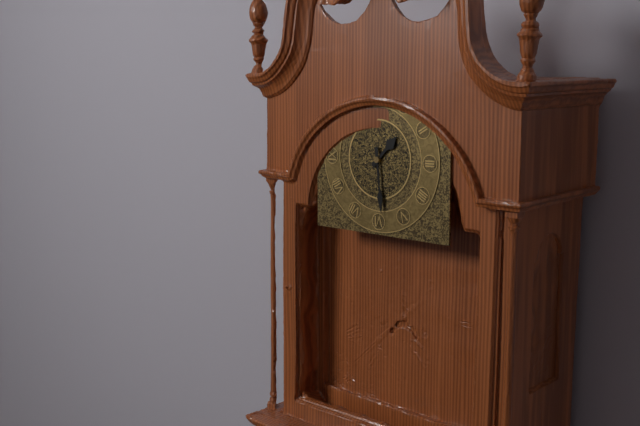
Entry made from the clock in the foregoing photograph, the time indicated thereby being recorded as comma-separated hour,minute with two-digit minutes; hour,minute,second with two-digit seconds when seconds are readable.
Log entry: 1,29
